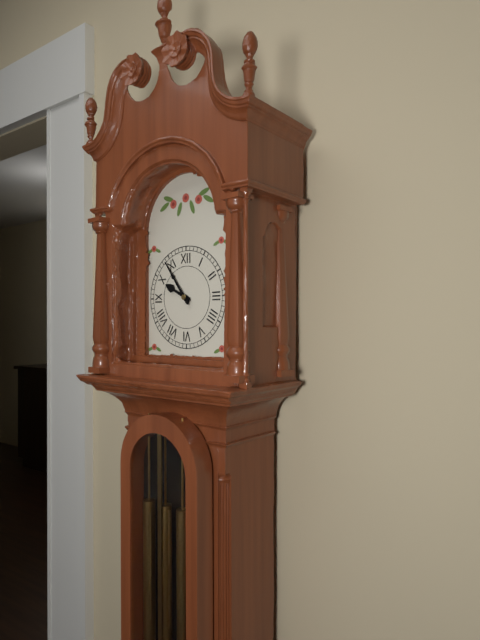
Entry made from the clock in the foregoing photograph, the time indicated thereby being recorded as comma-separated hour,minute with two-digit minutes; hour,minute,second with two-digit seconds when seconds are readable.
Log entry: 9,54
